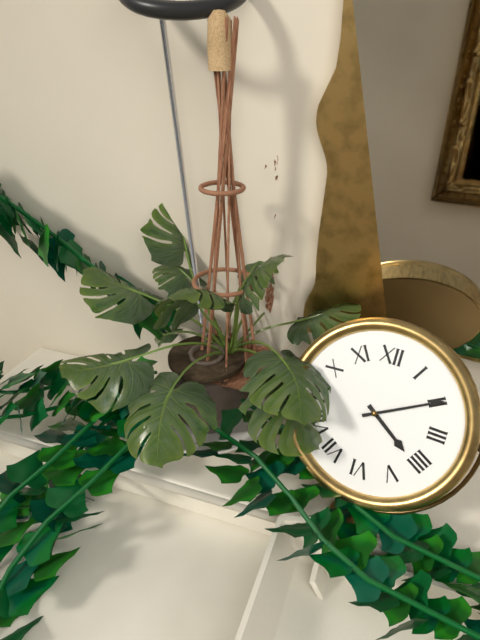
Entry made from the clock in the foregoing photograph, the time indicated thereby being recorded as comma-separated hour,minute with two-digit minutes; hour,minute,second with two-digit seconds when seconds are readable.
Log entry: 4,10
